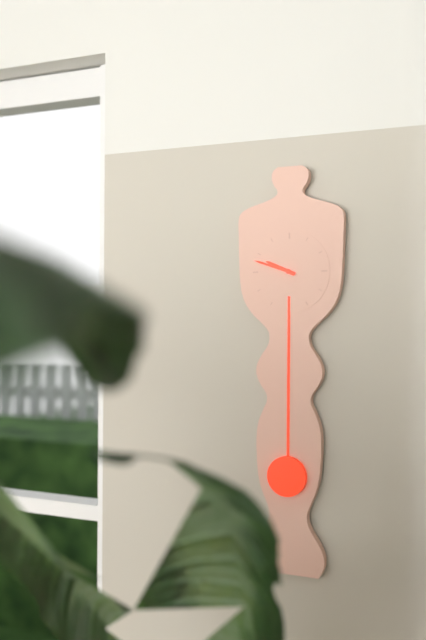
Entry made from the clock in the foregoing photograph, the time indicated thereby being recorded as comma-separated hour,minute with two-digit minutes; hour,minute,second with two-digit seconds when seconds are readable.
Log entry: 9,48
